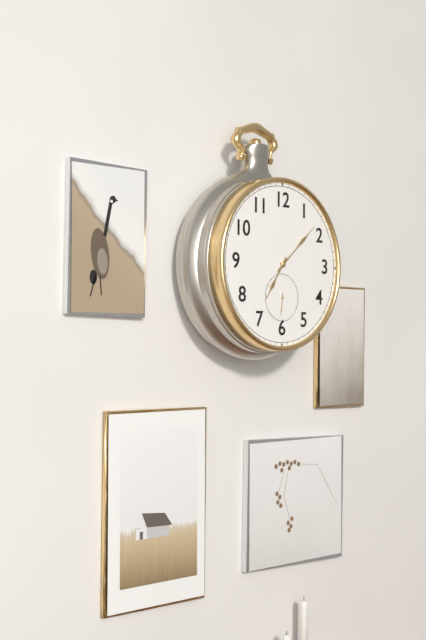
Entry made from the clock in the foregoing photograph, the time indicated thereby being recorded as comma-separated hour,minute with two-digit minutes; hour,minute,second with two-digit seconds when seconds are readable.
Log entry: 7,08
